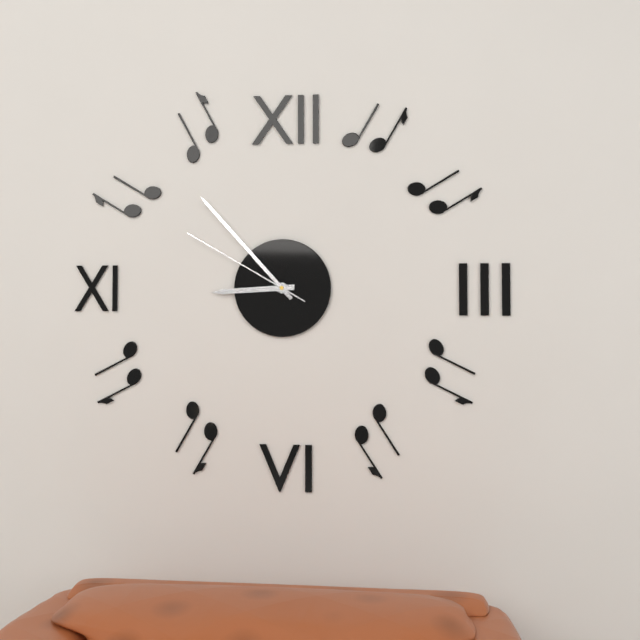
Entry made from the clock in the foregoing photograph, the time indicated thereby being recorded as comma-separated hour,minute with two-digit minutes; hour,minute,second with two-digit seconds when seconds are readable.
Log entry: 8,53,50
